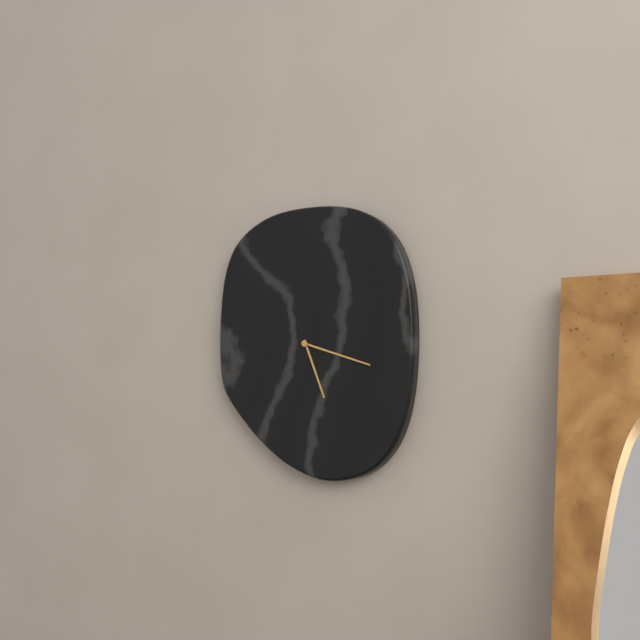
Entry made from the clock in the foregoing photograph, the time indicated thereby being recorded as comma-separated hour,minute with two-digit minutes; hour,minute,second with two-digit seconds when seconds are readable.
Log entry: 5,18
